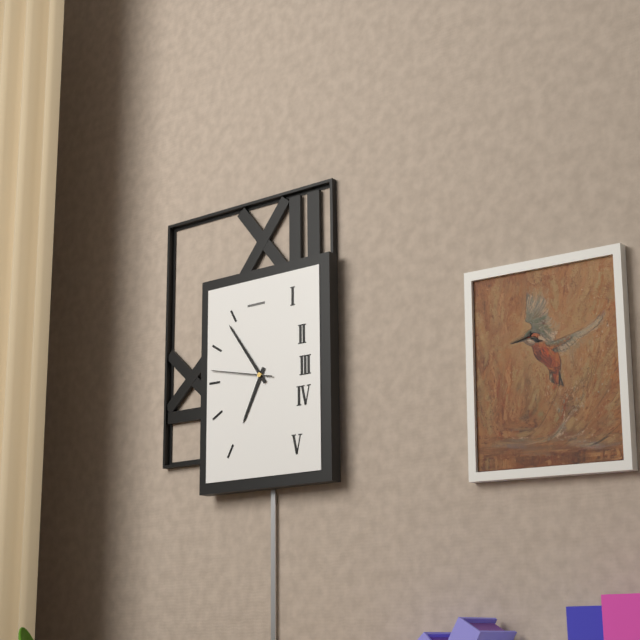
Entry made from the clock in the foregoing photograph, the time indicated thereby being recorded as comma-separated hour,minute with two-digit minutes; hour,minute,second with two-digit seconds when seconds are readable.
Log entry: 6,54,47
